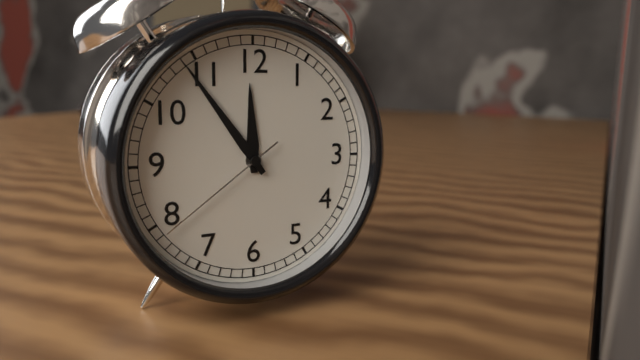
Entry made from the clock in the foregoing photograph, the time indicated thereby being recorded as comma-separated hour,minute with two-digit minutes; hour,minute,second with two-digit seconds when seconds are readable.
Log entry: 11,54,39
